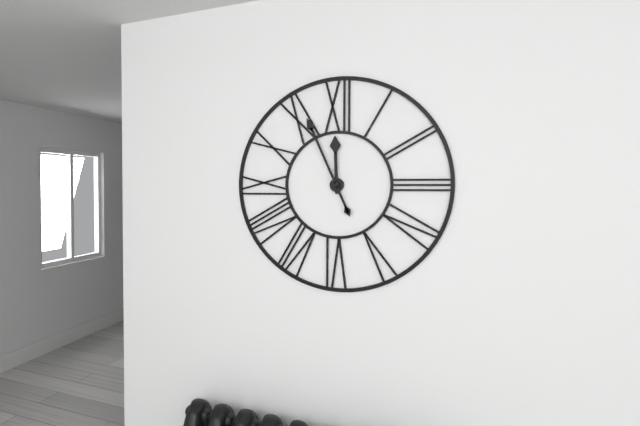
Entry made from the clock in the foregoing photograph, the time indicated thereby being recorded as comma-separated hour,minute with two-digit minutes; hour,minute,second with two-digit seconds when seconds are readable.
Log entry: 11,56
